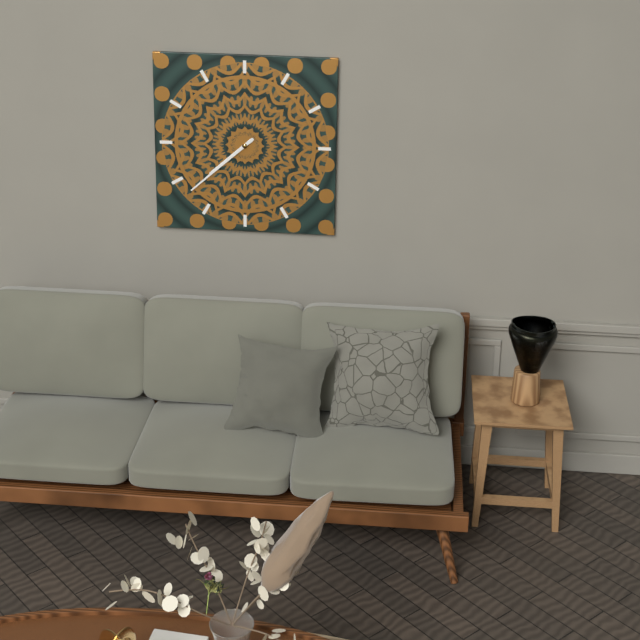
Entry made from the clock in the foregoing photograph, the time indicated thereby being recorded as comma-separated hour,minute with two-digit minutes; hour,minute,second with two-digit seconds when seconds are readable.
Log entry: 7,38
